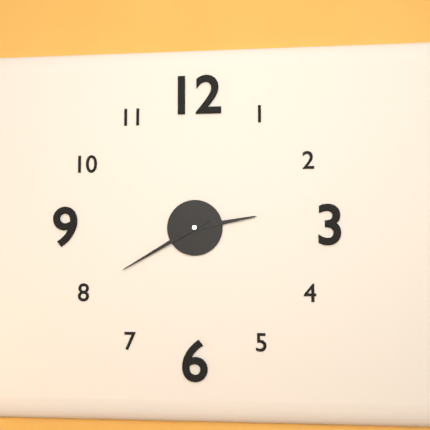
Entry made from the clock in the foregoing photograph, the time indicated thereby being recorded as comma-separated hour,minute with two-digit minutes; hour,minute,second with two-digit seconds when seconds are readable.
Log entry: 2,40
